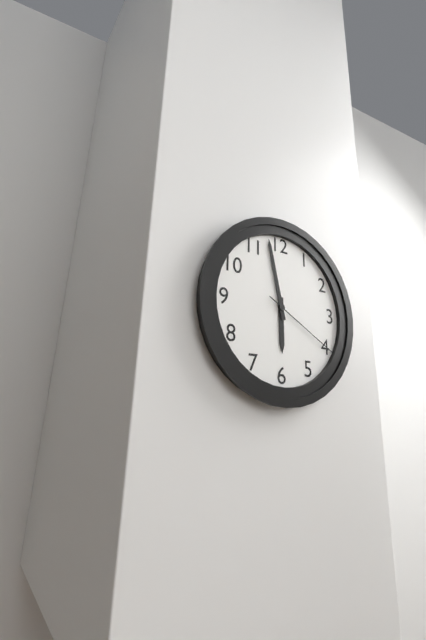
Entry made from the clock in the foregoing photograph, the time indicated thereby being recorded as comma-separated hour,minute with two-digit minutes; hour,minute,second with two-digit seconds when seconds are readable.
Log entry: 5,58,20
